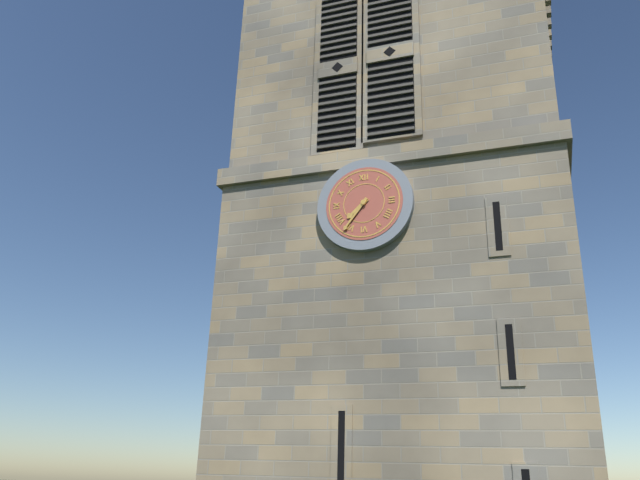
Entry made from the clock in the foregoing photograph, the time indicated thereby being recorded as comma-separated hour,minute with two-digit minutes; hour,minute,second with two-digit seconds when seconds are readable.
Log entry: 7,36
